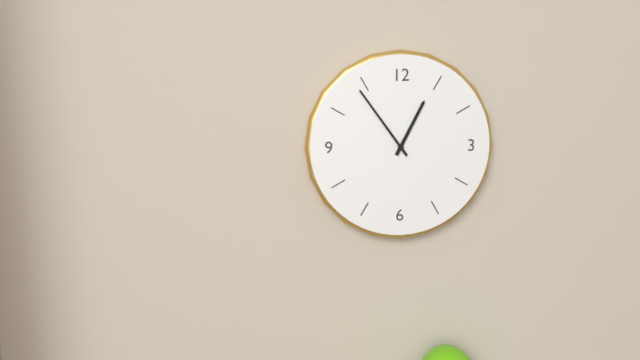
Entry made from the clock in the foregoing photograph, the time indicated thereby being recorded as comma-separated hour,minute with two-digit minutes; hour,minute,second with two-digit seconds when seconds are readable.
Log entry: 12,54
